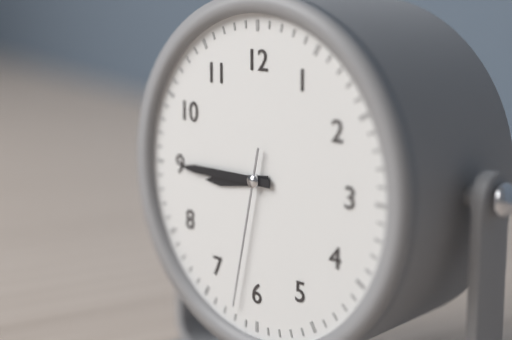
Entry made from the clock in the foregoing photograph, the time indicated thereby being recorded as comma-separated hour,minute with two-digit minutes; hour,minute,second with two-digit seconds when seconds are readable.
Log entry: 8,45,32
